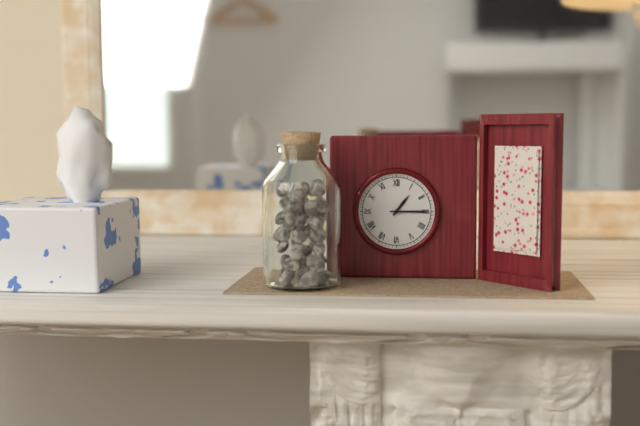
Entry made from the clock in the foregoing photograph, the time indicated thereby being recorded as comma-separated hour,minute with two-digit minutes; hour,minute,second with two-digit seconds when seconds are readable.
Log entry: 1,15
